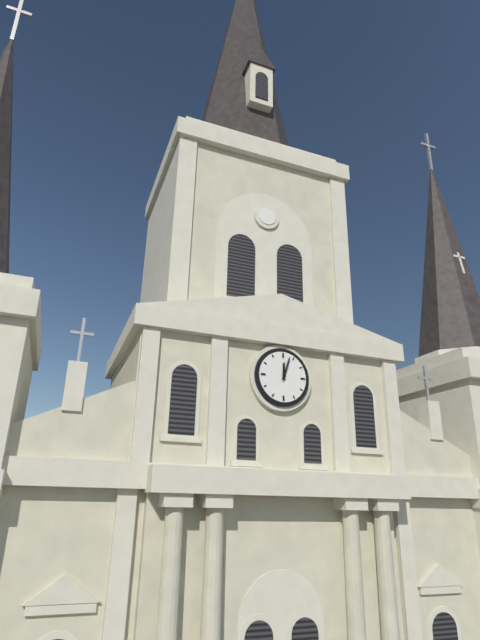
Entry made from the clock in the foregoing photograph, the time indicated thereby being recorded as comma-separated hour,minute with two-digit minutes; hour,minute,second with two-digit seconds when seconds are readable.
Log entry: 12,03
